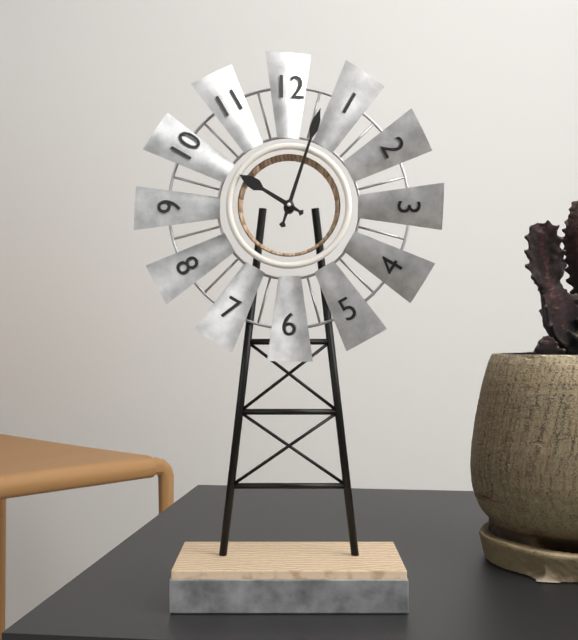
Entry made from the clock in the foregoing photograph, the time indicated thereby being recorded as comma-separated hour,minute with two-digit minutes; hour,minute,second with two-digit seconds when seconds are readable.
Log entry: 10,03
